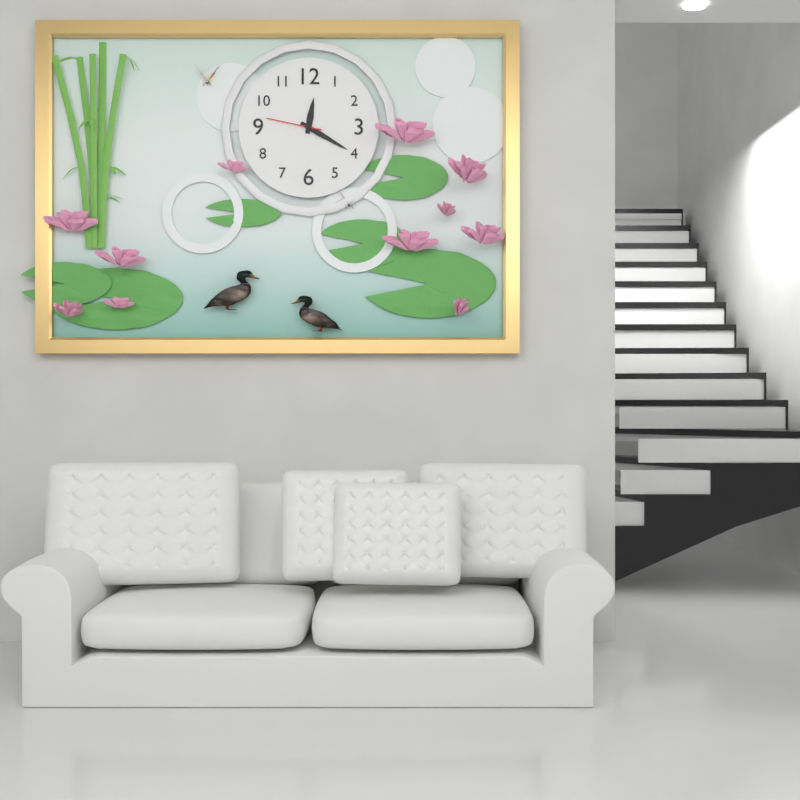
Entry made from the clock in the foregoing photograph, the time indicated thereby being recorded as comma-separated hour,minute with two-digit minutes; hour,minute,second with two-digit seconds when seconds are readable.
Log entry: 12,20,47
